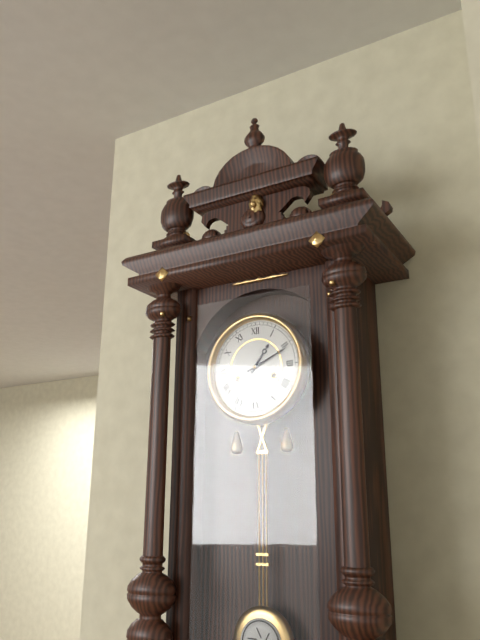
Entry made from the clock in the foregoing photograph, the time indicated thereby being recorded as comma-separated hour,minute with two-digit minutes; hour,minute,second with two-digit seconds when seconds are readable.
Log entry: 1,11
